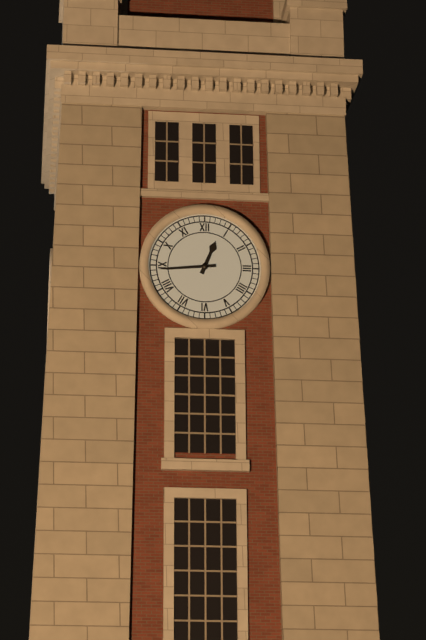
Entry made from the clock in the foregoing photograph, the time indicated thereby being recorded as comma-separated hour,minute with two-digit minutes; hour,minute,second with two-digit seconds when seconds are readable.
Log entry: 12,44
